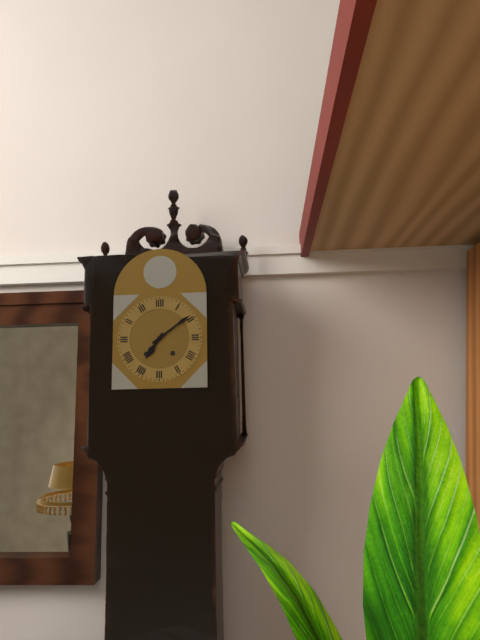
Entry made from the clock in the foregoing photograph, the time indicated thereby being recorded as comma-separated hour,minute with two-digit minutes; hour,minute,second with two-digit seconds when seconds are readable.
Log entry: 7,09
